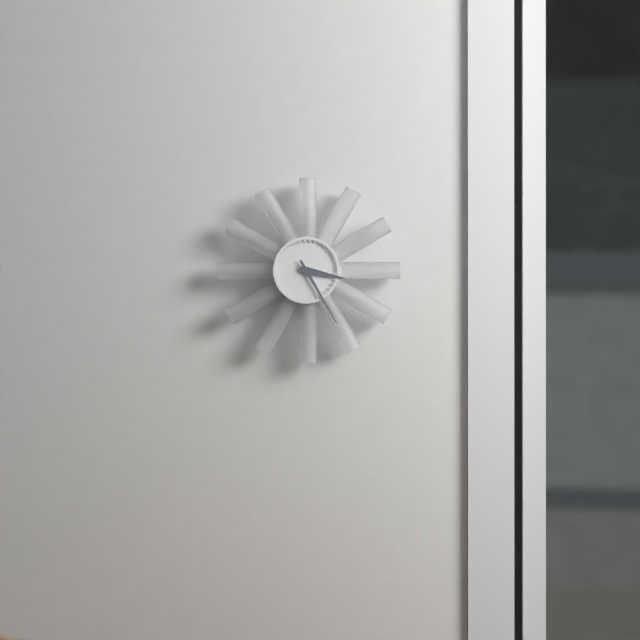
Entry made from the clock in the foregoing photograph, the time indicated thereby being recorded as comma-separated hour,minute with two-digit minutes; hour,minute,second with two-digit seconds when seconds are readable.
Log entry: 3,25
